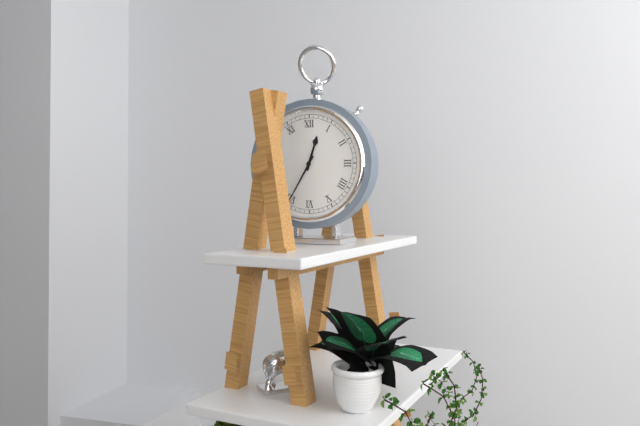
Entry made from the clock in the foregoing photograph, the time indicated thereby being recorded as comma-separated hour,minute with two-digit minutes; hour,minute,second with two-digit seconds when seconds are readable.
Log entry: 12,35
